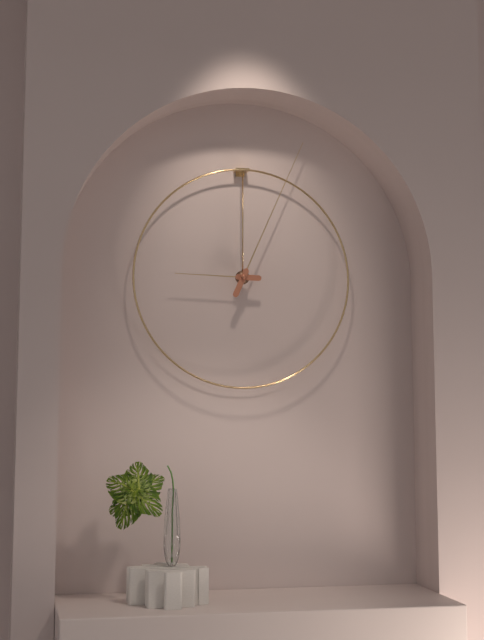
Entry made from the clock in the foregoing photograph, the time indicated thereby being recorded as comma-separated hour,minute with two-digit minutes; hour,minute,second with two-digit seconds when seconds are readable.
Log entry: 9,04
